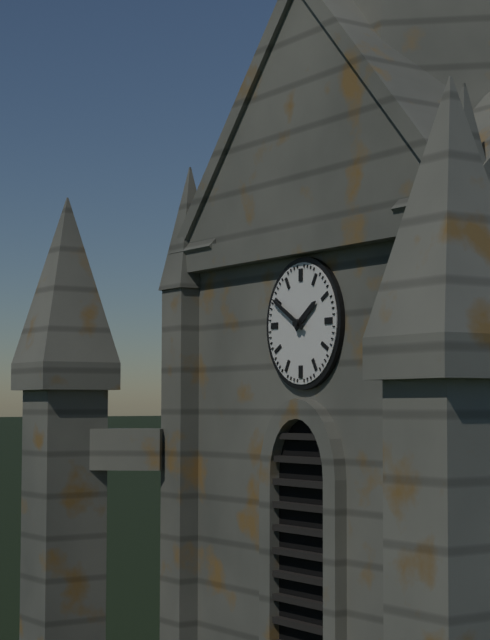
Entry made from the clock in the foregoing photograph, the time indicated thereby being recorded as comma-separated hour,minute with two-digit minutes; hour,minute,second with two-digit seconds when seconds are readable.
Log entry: 1,50
